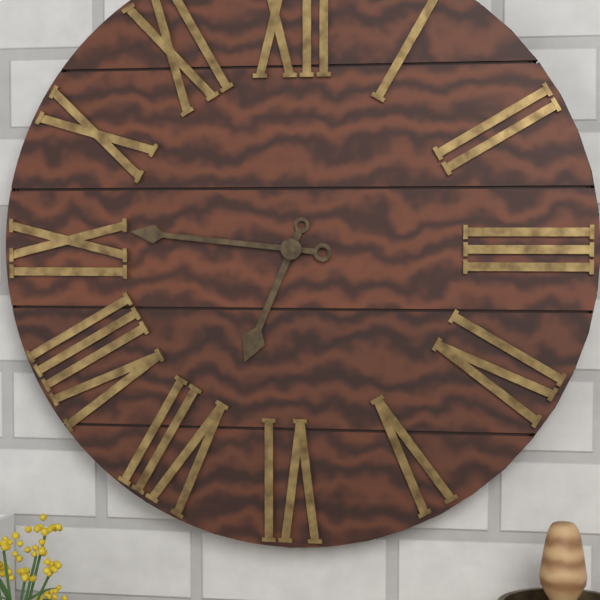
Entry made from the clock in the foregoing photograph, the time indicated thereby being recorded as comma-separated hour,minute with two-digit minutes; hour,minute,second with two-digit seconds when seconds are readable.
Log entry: 6,46
